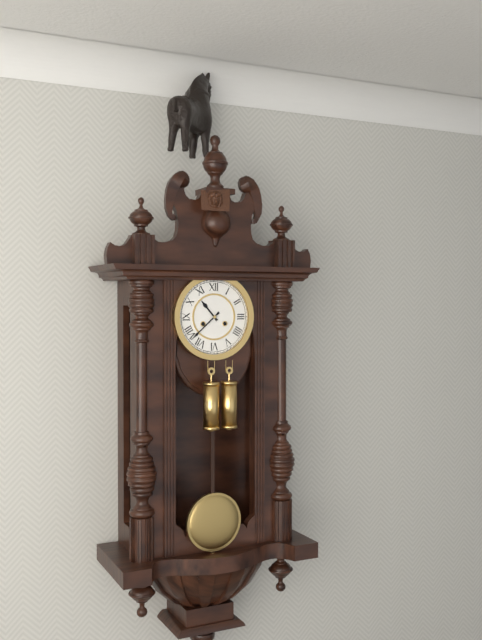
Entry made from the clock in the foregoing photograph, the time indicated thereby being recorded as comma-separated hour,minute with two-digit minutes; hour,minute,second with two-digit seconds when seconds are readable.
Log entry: 10,38
